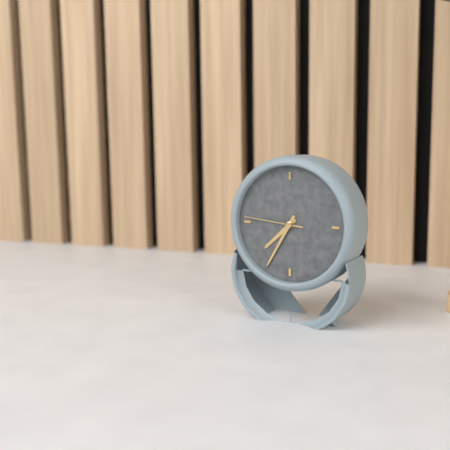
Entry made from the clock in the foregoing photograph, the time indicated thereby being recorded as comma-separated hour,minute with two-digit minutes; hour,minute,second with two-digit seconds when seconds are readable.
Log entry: 7,35,46
